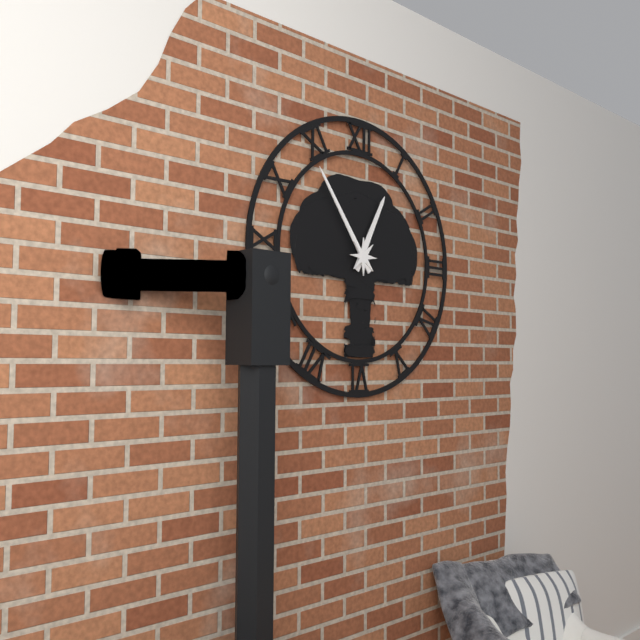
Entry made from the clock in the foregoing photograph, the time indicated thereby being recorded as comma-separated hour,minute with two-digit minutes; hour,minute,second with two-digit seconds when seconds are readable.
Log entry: 12,54
